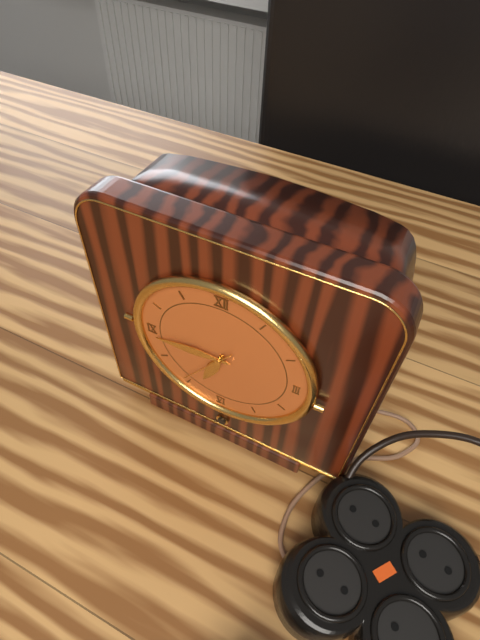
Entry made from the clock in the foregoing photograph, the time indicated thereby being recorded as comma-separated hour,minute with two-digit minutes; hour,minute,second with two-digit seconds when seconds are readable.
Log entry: 6,44
